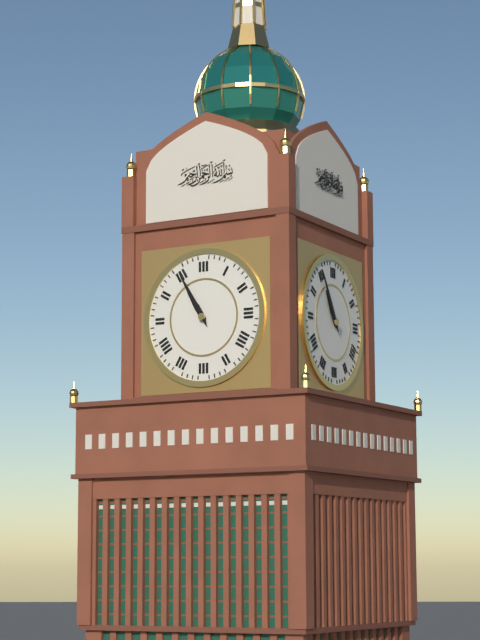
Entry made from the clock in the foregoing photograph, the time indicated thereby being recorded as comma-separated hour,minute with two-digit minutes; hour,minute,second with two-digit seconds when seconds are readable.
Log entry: 10,55
